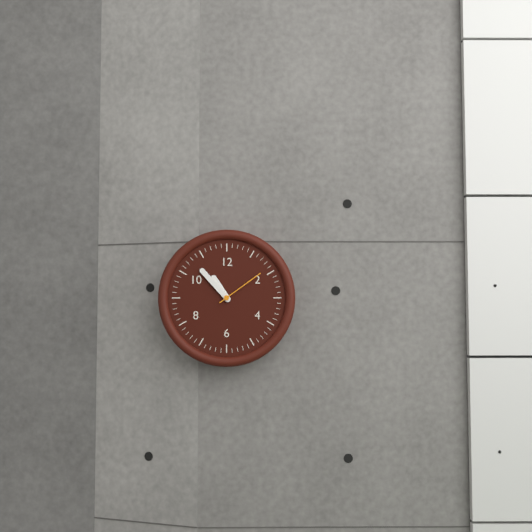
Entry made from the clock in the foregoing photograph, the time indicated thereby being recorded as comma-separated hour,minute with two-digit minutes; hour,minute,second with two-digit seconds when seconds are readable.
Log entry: 10,53,09
